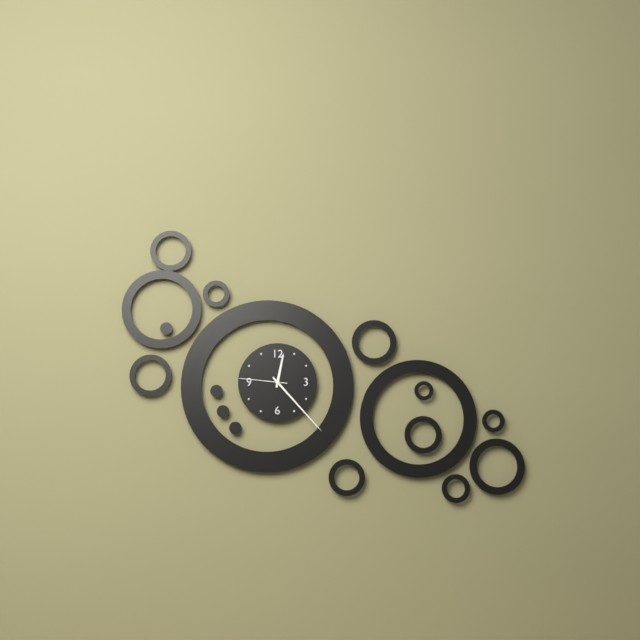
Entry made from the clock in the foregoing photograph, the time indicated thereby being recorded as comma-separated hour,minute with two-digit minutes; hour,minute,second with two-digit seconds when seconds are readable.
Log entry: 12,23,46
